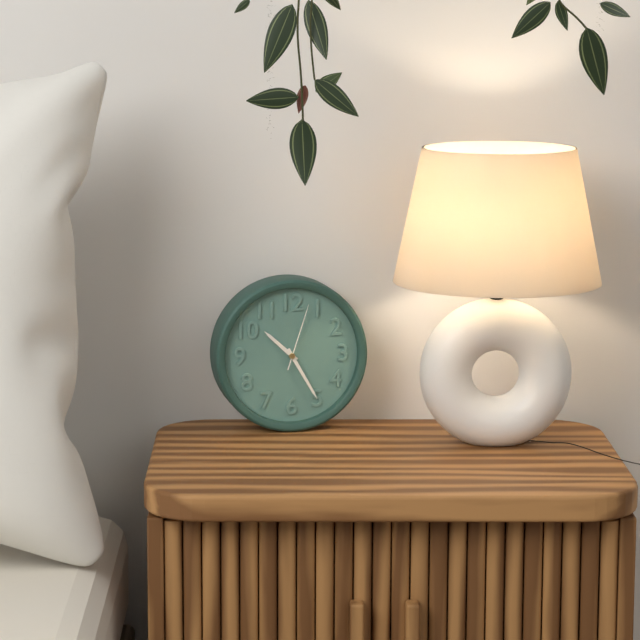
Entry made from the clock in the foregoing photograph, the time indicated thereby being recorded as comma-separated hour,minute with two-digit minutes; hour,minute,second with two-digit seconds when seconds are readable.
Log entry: 10,25,03
